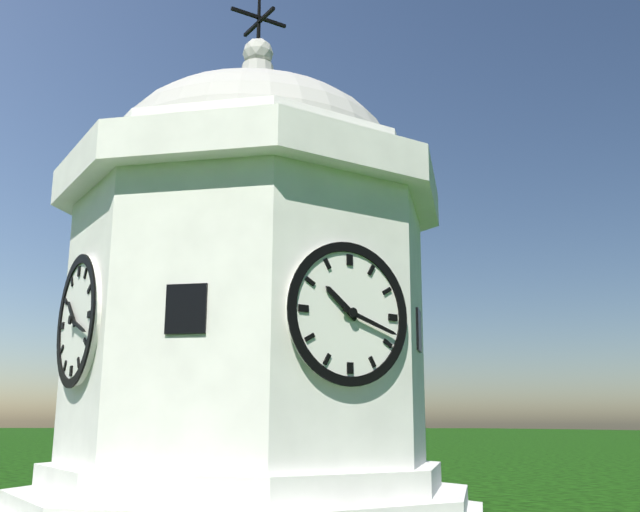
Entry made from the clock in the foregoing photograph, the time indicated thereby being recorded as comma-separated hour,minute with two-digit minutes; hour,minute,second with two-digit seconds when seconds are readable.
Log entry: 10,18
